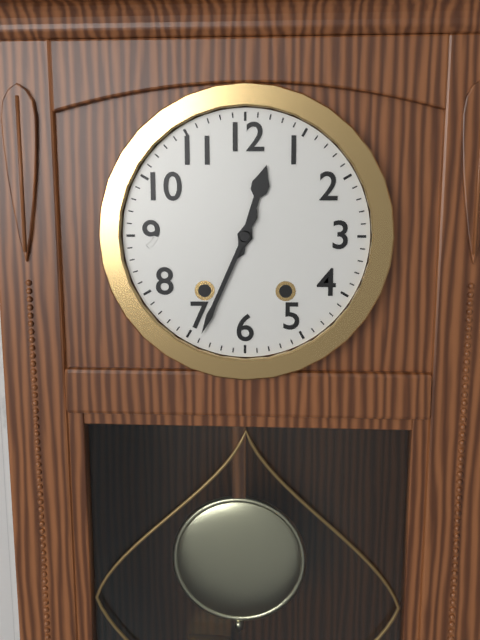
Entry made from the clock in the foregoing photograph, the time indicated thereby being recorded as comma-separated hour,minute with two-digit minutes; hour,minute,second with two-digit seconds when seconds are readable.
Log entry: 12,34
